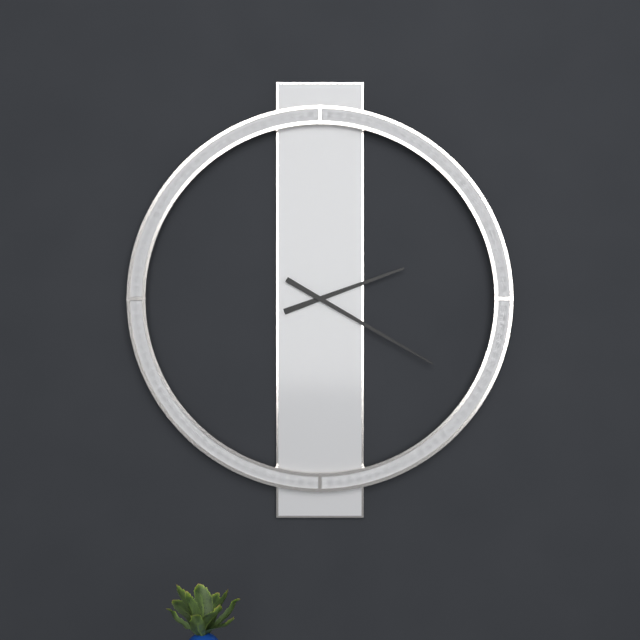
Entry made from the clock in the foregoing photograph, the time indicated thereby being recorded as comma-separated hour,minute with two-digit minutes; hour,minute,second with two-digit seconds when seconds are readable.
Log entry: 2,20
